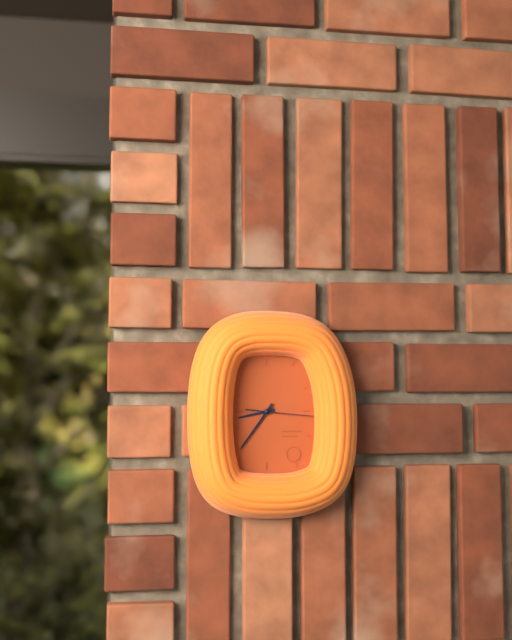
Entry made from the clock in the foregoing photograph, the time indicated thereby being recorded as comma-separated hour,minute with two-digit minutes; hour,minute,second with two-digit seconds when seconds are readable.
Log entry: 8,36,16
